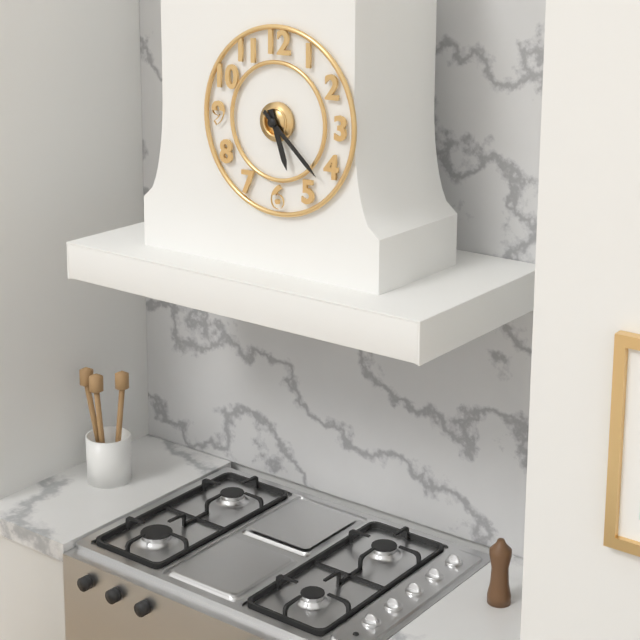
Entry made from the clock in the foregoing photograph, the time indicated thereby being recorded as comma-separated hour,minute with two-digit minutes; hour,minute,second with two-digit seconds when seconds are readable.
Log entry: 5,22
